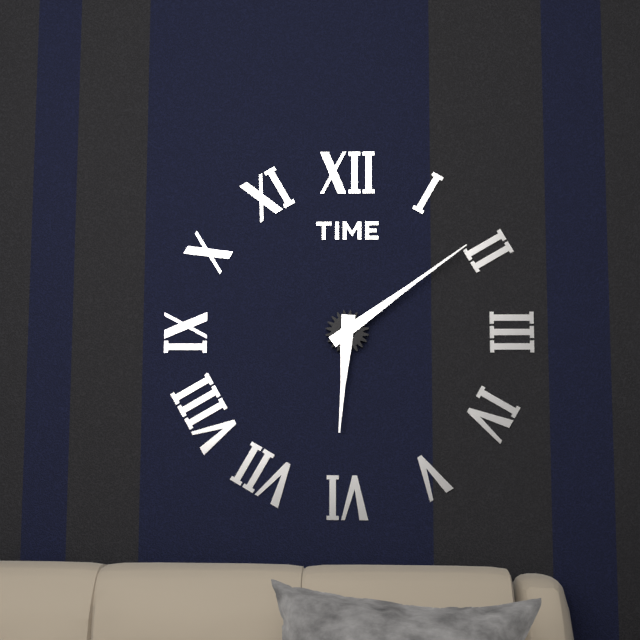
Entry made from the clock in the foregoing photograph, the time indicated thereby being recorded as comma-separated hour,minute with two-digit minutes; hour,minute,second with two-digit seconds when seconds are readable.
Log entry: 6,09
